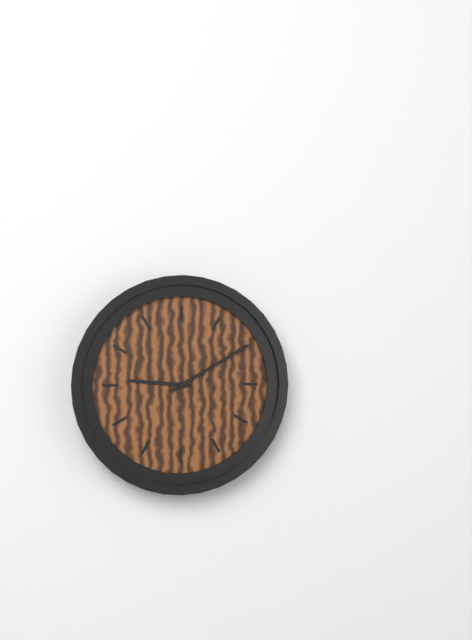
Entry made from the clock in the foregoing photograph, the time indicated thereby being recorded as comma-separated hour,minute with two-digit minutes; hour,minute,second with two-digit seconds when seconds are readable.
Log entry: 9,10
